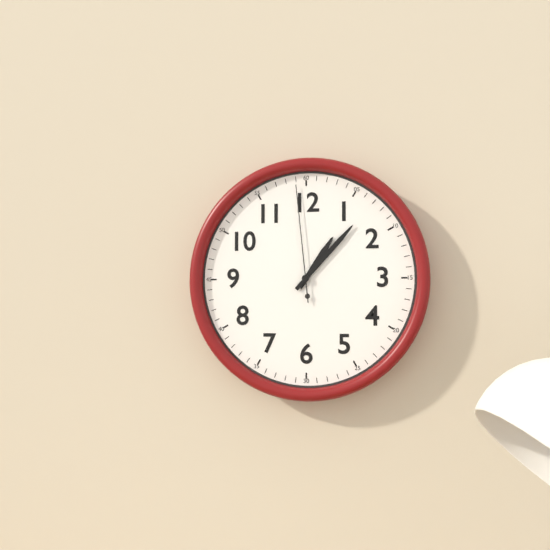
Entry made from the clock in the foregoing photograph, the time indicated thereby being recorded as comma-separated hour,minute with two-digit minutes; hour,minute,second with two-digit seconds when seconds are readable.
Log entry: 1,07,59
